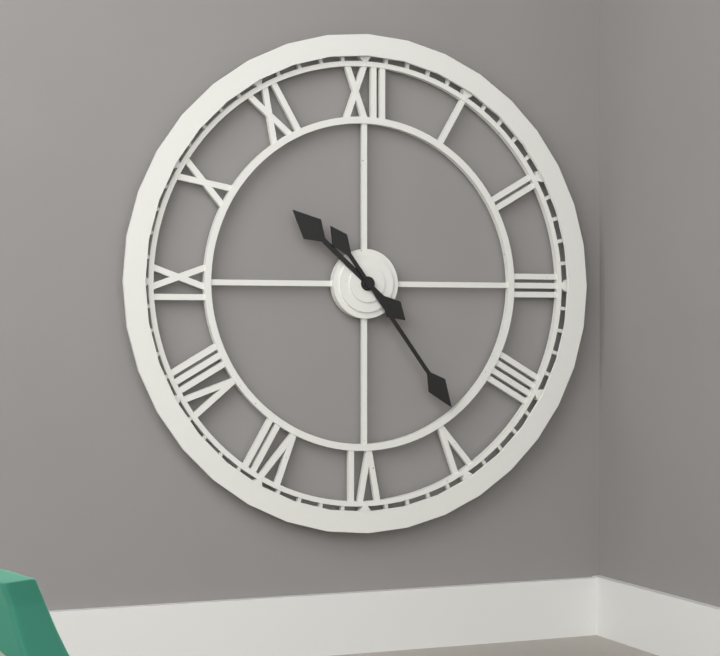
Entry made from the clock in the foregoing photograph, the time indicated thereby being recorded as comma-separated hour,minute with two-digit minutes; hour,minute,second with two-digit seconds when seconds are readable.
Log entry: 10,24
